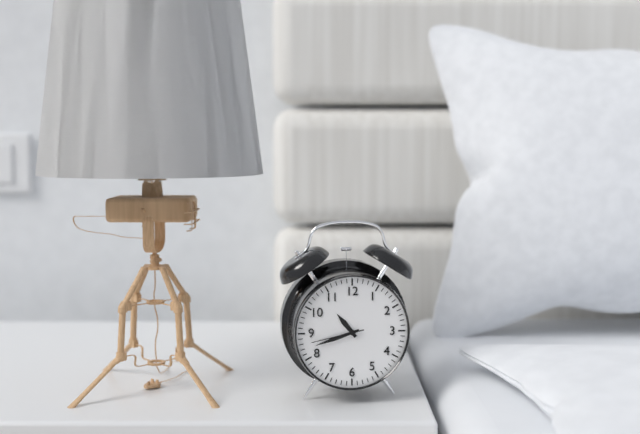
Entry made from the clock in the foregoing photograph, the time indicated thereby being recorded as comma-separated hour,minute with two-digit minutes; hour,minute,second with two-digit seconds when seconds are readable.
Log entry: 10,42,43
